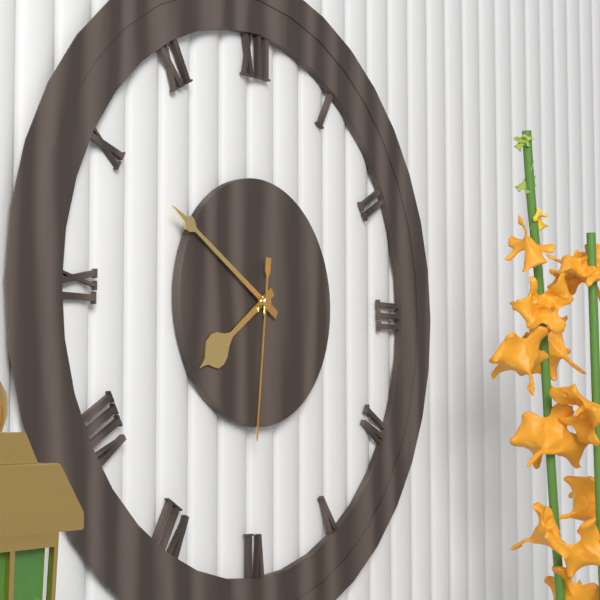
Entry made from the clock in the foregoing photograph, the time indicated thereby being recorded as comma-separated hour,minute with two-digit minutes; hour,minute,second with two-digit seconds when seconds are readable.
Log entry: 7,50,31
